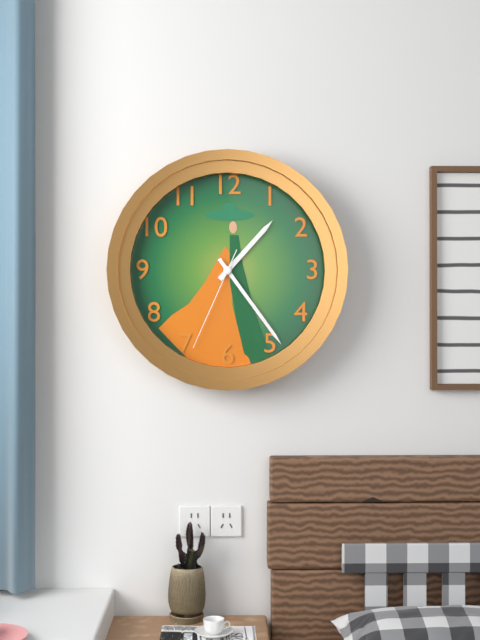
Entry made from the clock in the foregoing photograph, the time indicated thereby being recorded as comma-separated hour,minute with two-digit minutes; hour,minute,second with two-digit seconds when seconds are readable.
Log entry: 1,24,34
